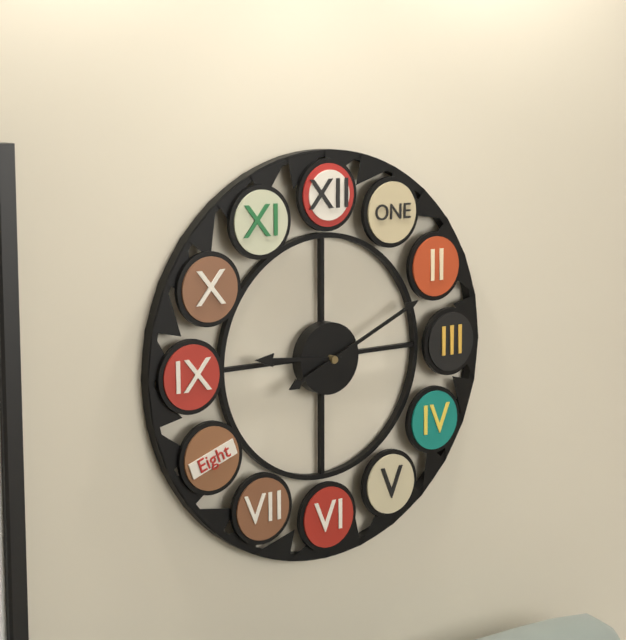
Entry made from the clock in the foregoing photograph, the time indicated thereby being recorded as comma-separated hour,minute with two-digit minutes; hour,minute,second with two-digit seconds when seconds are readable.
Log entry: 9,11
